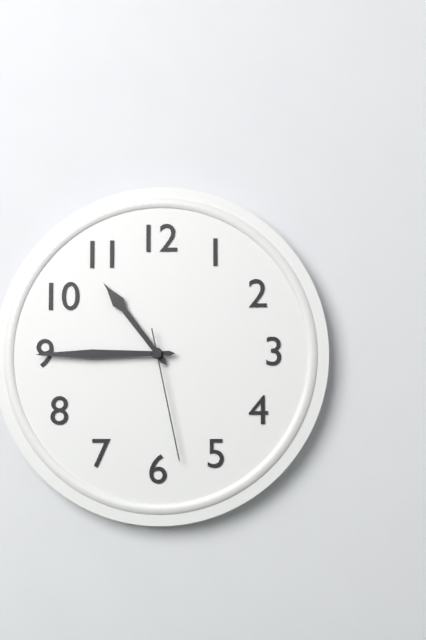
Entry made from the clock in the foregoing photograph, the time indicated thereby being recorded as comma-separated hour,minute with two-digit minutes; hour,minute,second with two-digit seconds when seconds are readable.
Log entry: 10,45,28
